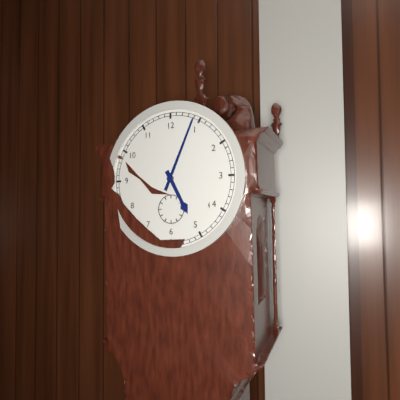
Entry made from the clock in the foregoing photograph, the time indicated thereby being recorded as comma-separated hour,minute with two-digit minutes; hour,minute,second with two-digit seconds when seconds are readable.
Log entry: 5,04
